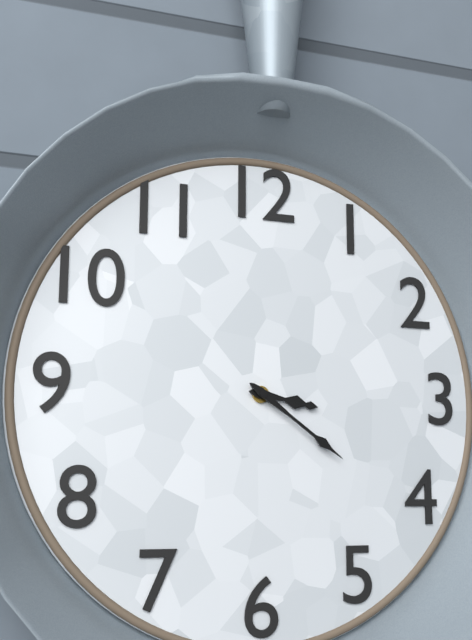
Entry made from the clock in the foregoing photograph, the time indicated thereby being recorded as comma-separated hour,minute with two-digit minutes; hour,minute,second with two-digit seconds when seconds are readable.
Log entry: 3,21
